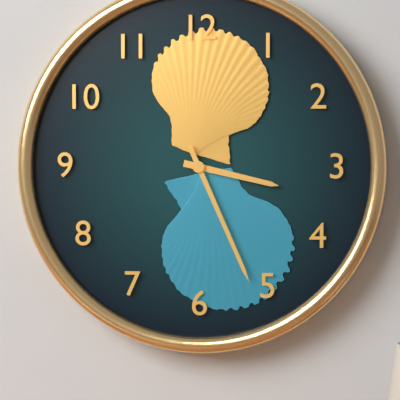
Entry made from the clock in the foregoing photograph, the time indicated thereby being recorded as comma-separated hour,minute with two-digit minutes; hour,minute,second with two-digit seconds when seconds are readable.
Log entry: 3,26
